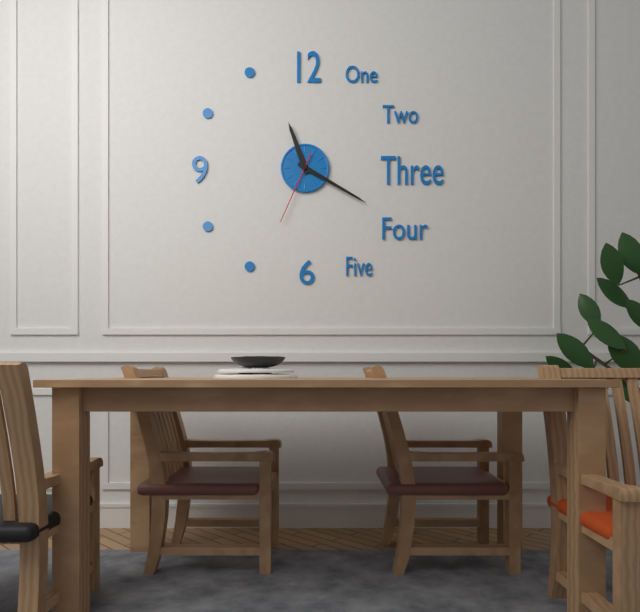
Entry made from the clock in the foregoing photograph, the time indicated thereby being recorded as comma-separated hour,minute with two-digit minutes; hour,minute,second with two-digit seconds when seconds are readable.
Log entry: 11,20,34
